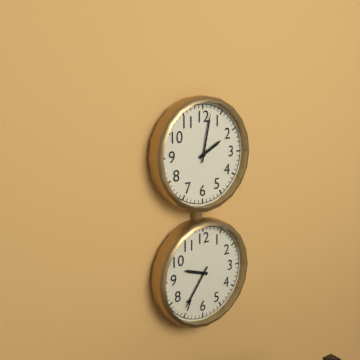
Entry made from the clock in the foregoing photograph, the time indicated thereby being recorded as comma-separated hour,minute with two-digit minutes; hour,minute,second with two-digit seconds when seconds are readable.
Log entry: 2,02
